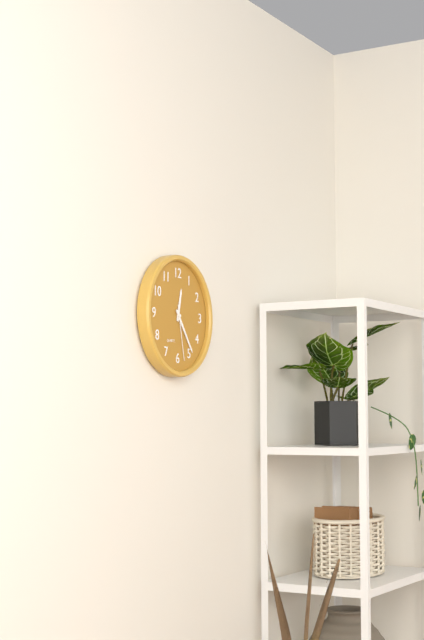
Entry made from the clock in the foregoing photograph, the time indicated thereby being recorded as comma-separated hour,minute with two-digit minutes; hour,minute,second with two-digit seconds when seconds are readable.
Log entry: 12,24,28
